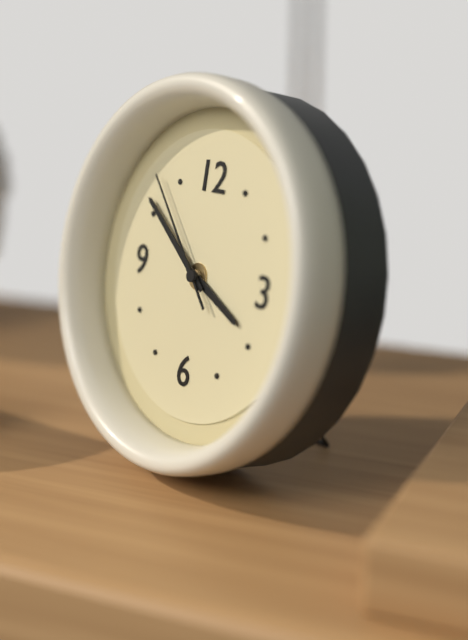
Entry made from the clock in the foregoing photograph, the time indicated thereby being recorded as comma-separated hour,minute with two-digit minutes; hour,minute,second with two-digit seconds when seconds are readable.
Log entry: 3,51,53
